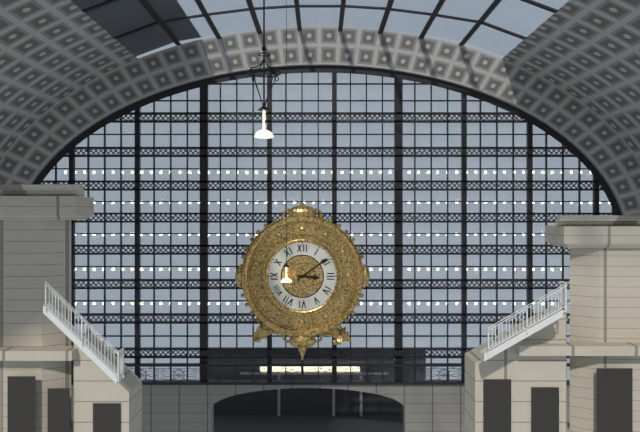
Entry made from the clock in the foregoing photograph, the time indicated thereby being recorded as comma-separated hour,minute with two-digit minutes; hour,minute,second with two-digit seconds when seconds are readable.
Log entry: 3,09
